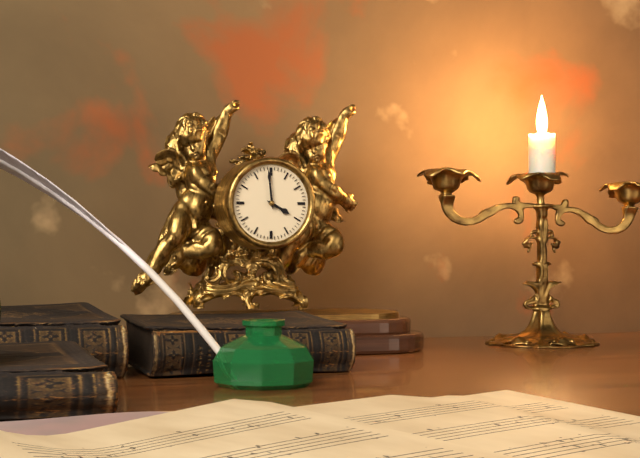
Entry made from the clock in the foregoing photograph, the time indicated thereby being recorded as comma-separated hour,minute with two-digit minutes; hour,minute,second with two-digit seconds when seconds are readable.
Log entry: 3,59
